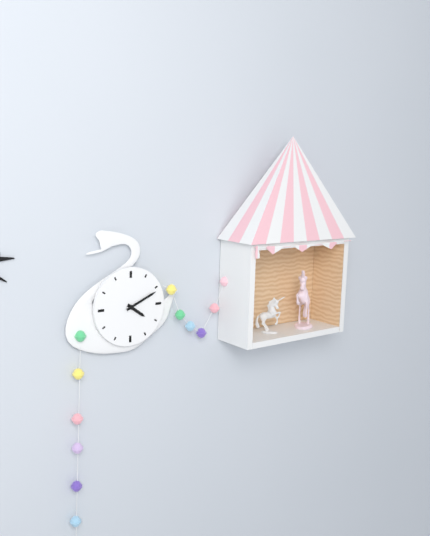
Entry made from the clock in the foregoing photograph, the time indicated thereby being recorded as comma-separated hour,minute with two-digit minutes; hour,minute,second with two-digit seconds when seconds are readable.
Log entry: 4,11
